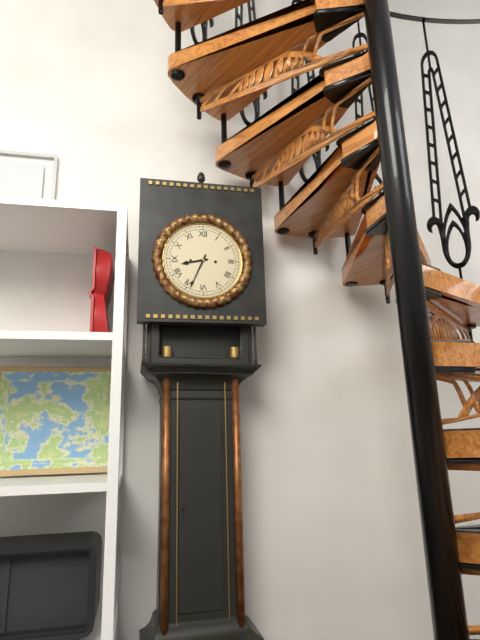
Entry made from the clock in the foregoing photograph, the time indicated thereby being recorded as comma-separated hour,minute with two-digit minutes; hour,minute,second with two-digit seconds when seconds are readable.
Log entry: 8,34
